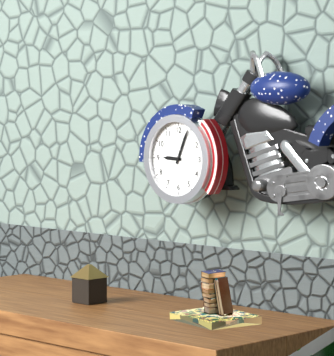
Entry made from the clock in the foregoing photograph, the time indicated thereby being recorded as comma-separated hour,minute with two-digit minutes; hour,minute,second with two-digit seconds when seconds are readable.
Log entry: 9,04
